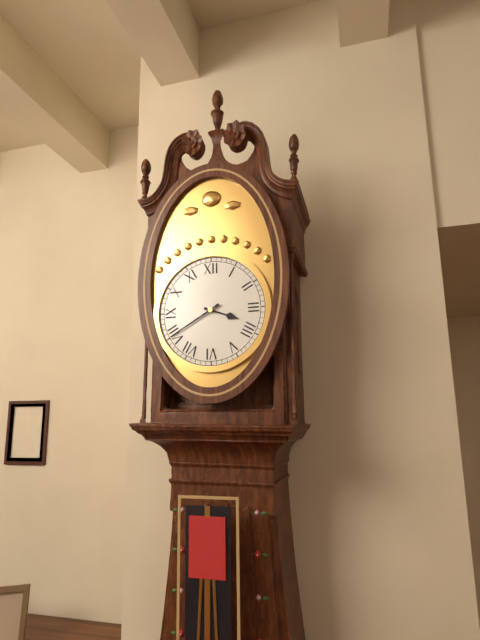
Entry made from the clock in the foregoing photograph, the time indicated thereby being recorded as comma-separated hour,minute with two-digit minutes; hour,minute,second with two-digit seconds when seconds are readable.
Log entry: 3,40
